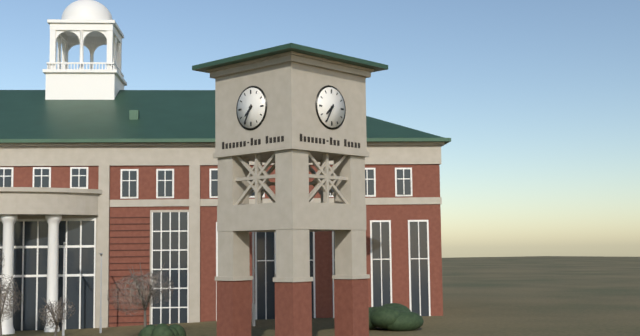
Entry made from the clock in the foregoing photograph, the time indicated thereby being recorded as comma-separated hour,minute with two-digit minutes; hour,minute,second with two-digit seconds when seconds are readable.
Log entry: 7,35
